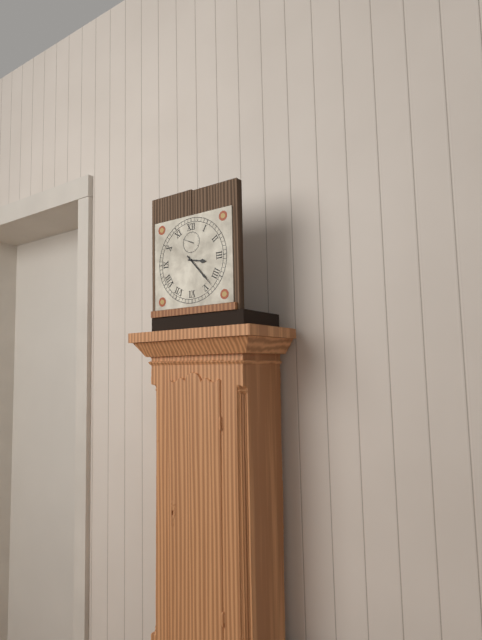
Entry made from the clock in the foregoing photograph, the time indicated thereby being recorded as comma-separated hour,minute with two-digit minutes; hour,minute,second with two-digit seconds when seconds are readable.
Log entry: 3,23
